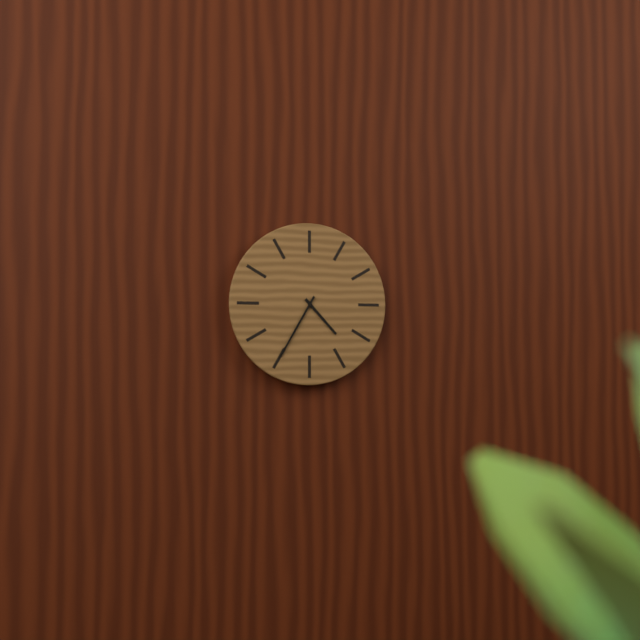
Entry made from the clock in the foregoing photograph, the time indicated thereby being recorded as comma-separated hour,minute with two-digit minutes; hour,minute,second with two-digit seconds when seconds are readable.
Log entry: 4,35
